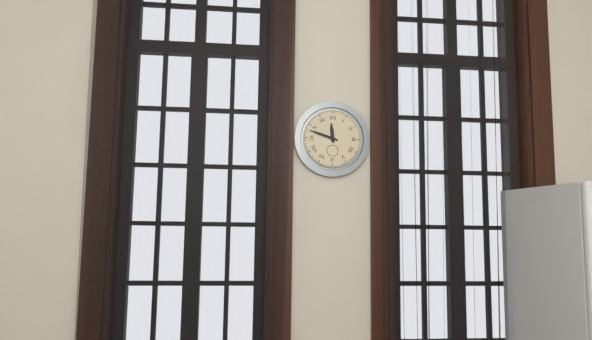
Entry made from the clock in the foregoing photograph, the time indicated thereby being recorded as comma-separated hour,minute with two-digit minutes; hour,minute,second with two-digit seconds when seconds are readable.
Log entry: 11,48
